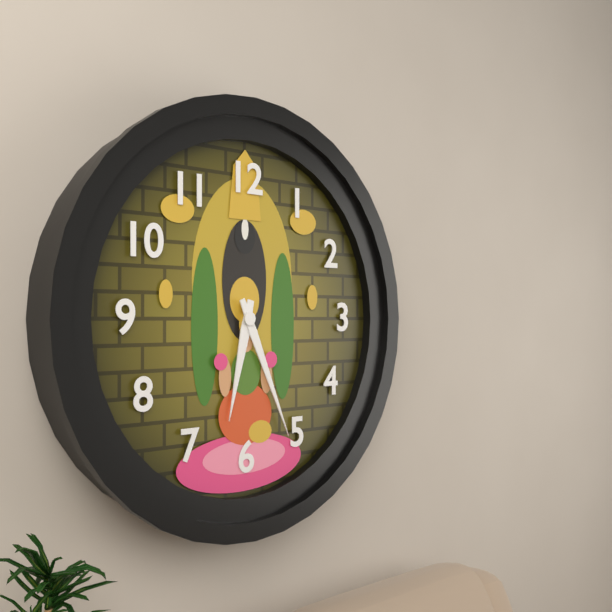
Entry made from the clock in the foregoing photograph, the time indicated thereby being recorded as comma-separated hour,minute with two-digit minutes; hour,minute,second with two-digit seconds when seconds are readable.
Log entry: 6,26
